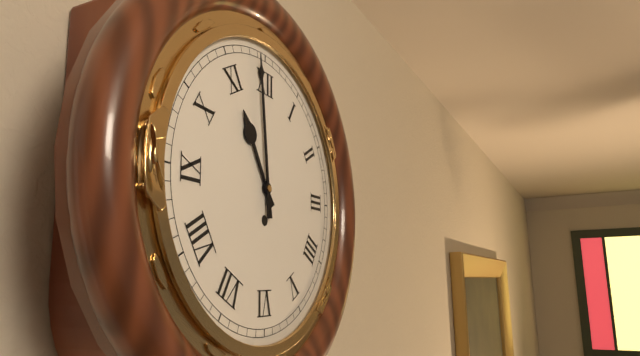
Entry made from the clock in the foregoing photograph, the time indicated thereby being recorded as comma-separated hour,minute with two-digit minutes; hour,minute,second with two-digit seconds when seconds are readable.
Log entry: 10,59
